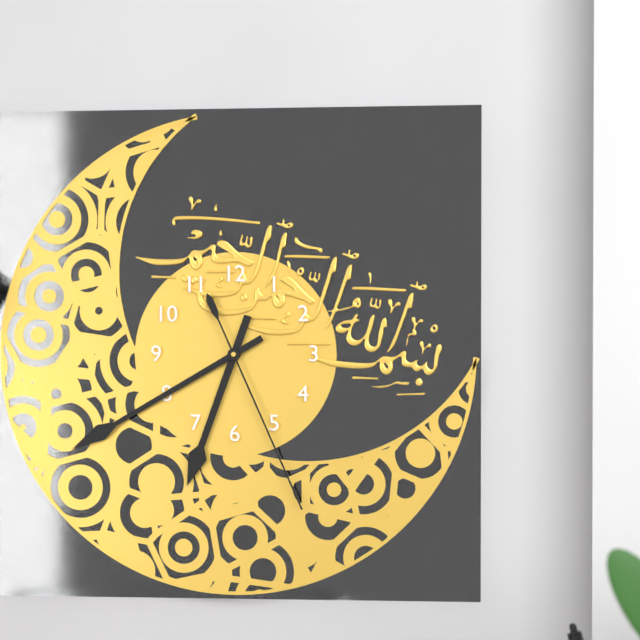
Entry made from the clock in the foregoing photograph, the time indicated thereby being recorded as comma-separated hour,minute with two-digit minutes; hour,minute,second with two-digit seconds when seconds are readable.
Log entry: 6,40,26
